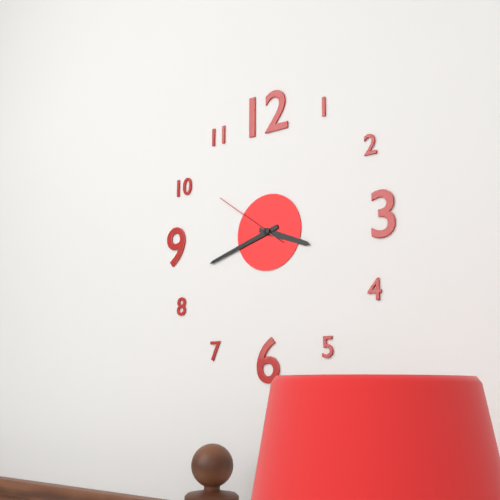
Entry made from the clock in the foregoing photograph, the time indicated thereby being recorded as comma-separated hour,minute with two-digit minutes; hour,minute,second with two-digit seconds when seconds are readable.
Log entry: 3,42,51
